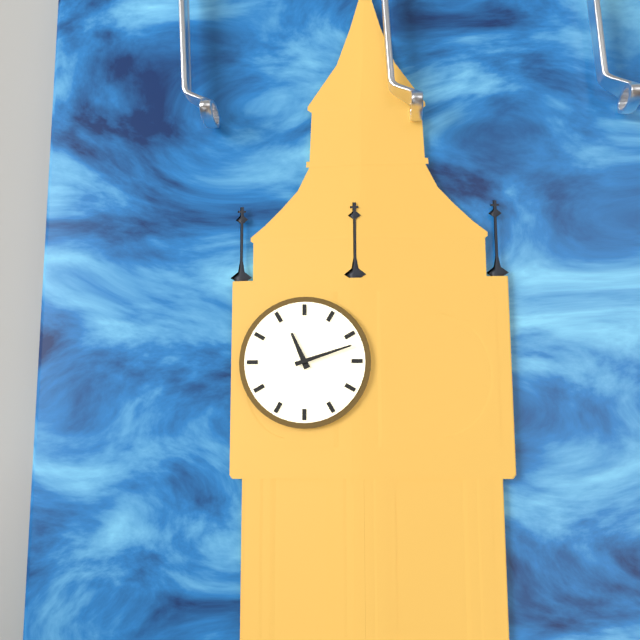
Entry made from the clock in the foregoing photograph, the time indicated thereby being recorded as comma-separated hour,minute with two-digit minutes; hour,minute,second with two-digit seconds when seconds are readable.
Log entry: 11,12
